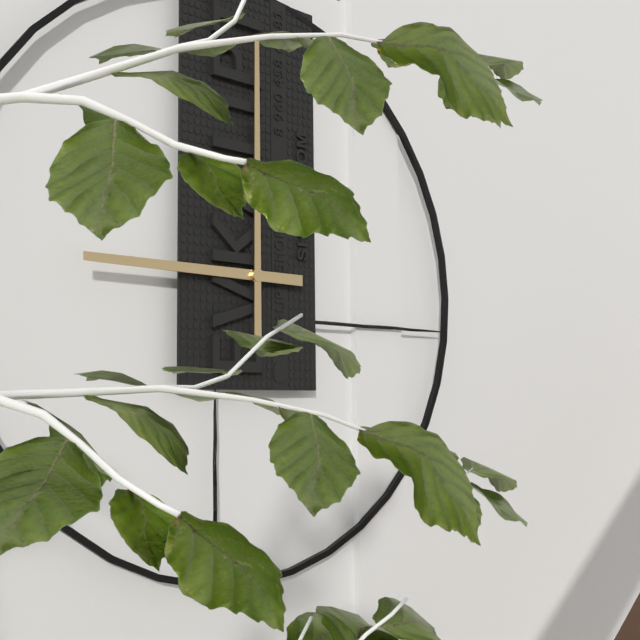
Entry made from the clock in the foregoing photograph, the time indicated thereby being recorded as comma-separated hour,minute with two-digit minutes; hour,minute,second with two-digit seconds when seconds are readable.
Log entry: 9,00
